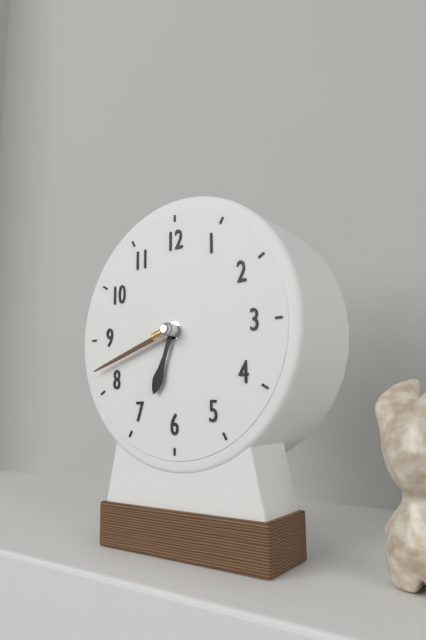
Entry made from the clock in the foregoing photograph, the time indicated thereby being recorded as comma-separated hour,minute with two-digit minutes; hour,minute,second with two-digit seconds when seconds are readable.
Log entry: 6,42
